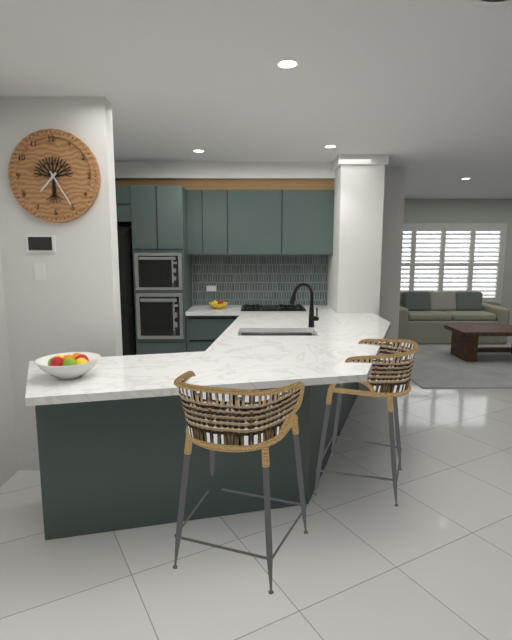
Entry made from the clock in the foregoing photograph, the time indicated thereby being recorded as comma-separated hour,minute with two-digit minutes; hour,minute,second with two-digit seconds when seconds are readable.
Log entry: 7,25
